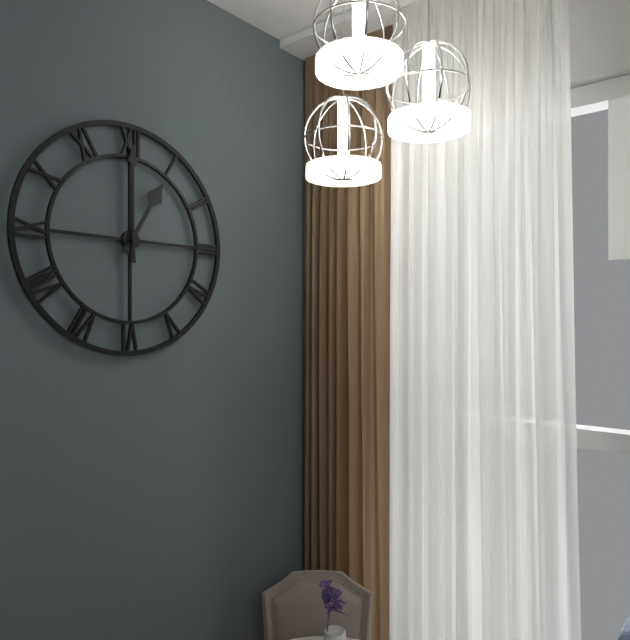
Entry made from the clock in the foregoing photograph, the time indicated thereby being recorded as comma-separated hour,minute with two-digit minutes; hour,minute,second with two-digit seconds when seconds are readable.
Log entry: 1,00
